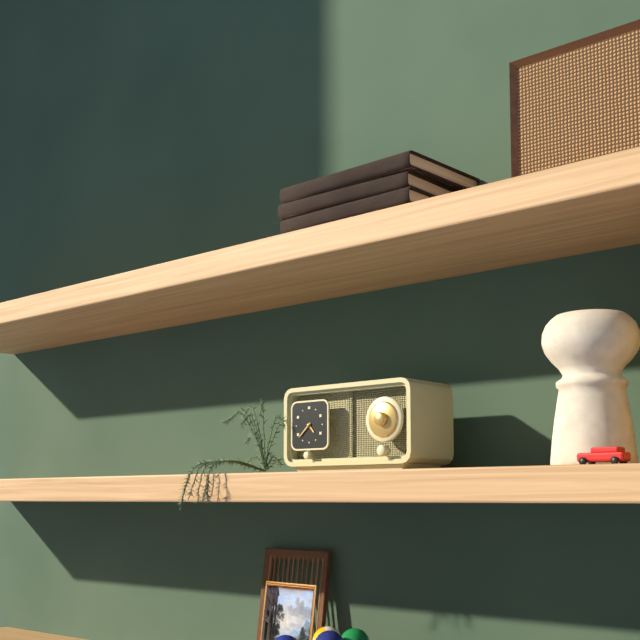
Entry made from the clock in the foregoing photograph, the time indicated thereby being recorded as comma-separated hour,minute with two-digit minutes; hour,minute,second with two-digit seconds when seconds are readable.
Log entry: 4,38
